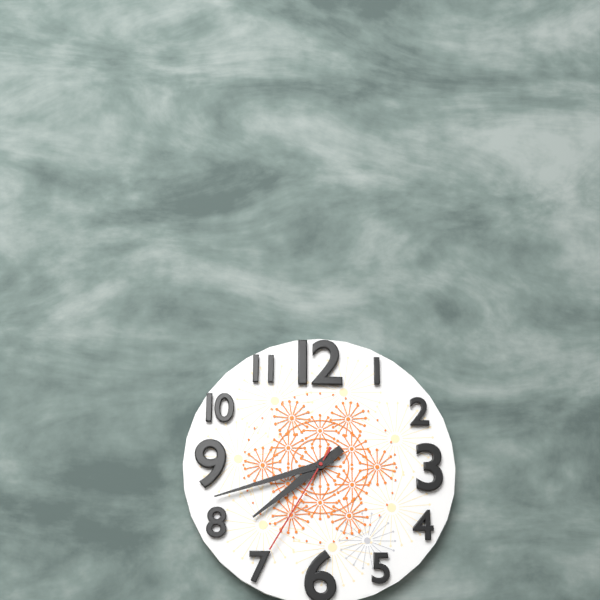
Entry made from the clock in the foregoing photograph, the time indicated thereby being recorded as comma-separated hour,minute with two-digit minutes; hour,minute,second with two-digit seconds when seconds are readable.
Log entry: 7,42,35
